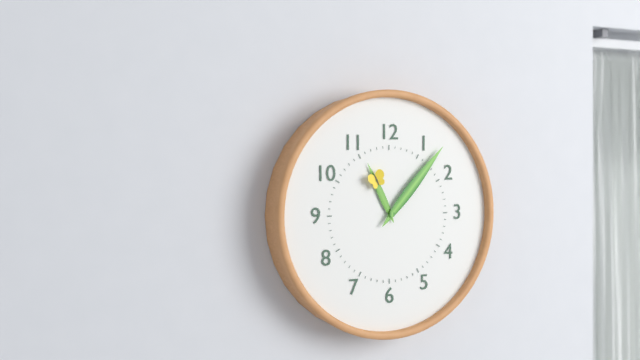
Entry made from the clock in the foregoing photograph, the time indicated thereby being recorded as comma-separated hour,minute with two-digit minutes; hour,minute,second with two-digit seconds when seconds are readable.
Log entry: 11,07
